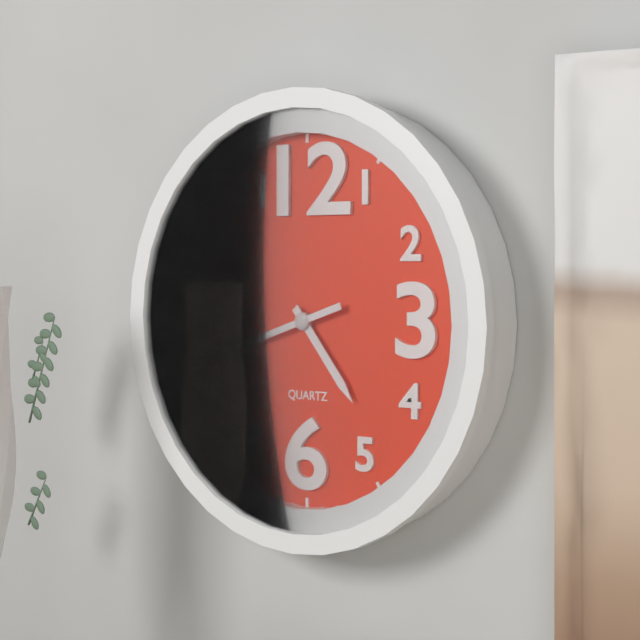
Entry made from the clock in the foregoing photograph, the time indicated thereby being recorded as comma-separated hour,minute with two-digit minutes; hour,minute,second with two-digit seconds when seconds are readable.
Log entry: 4,42
